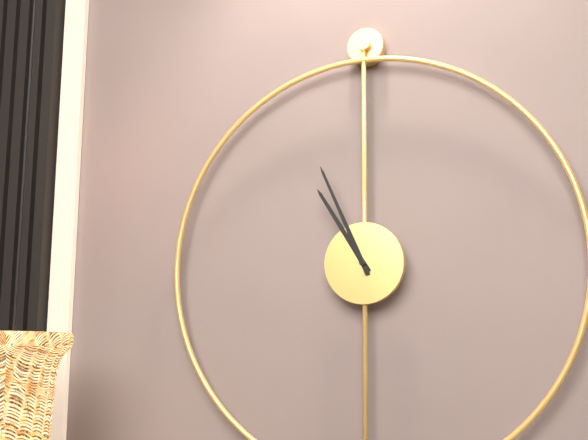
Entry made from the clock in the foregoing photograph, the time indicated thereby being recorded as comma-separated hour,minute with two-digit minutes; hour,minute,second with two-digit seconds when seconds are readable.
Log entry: 10,56
